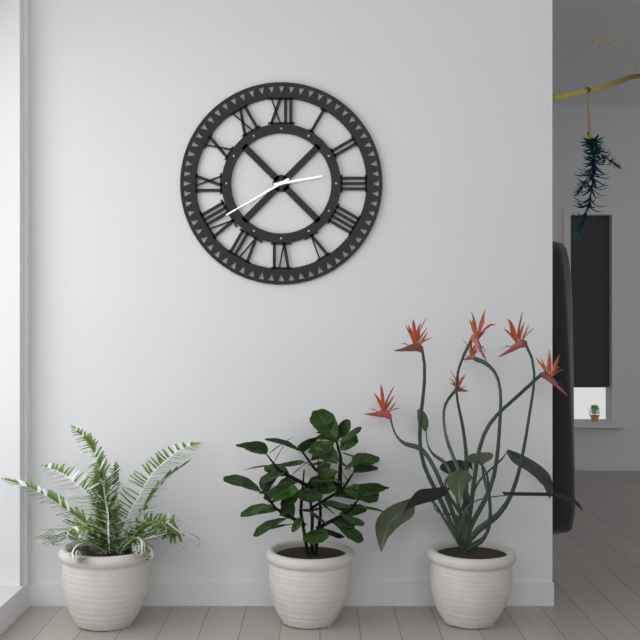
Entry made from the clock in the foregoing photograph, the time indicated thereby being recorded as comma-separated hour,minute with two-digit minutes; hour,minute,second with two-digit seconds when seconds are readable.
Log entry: 2,40
